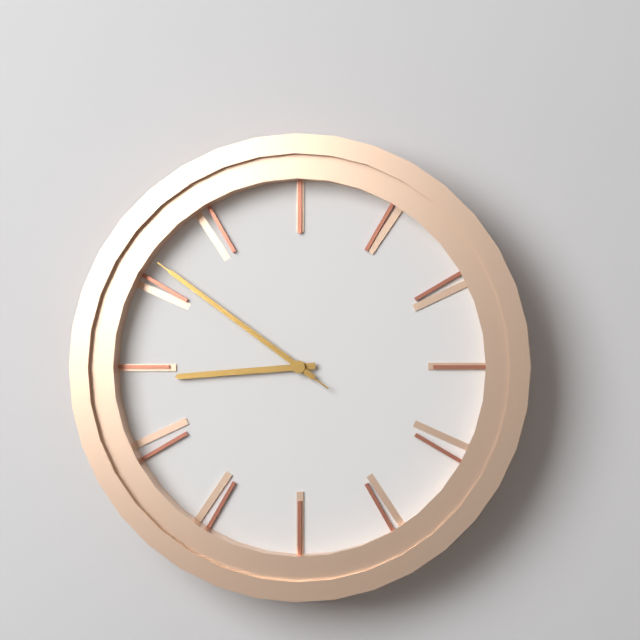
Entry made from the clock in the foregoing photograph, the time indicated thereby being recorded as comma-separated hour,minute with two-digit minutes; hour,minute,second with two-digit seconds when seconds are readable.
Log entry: 8,51,51
